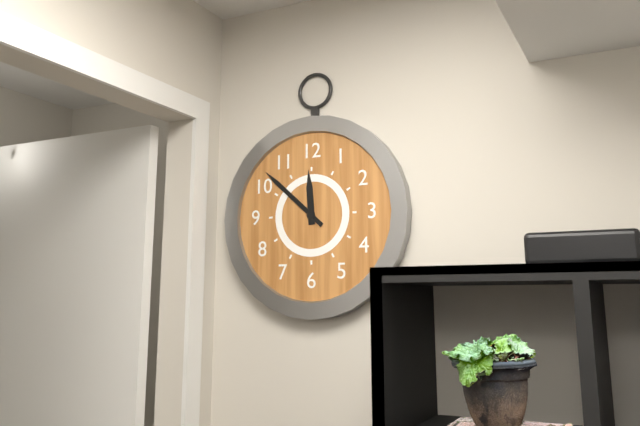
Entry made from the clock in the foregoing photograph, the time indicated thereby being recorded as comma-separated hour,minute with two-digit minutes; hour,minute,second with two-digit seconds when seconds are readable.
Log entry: 11,52
